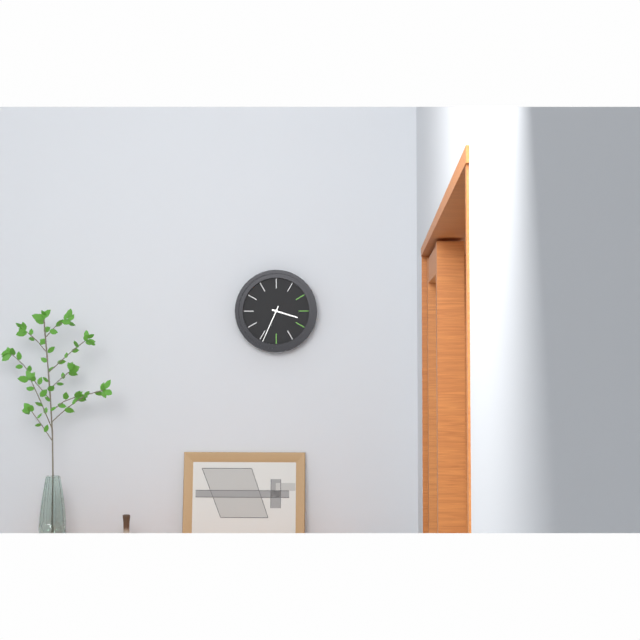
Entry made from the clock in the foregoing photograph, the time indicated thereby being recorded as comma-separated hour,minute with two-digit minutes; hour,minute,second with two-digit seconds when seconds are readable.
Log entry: 3,34
